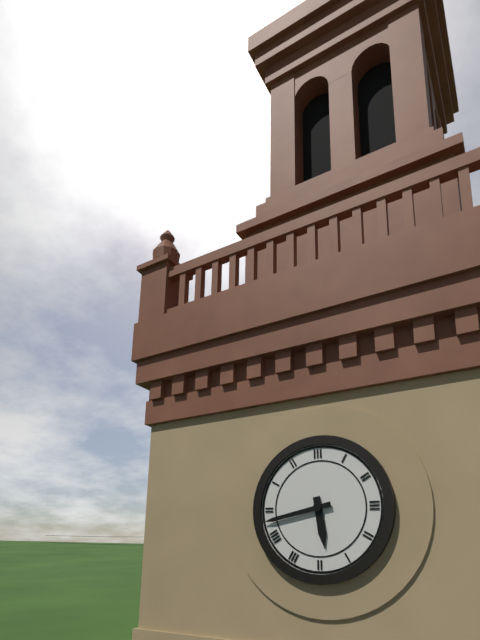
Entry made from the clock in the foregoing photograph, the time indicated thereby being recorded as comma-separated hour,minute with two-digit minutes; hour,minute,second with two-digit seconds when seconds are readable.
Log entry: 5,43
